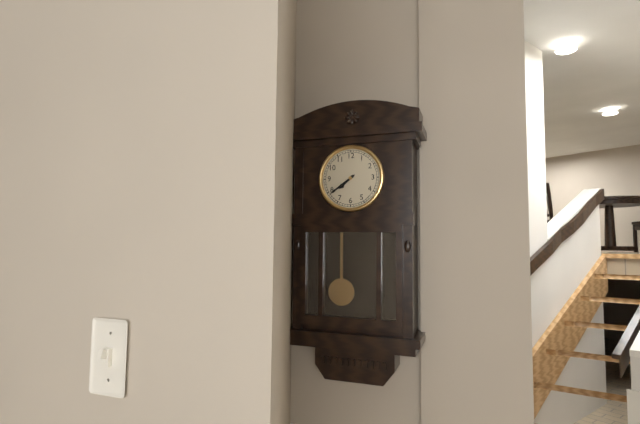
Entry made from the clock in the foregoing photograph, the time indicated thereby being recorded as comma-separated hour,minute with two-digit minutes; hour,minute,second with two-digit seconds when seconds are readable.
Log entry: 7,39
